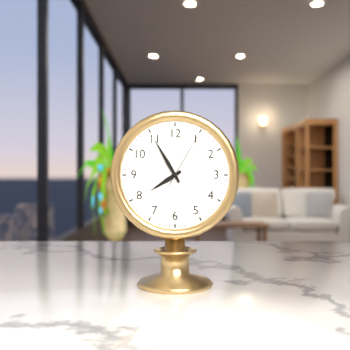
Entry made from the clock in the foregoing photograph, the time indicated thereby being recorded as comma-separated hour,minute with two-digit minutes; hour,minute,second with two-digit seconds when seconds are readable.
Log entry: 7,55,05
